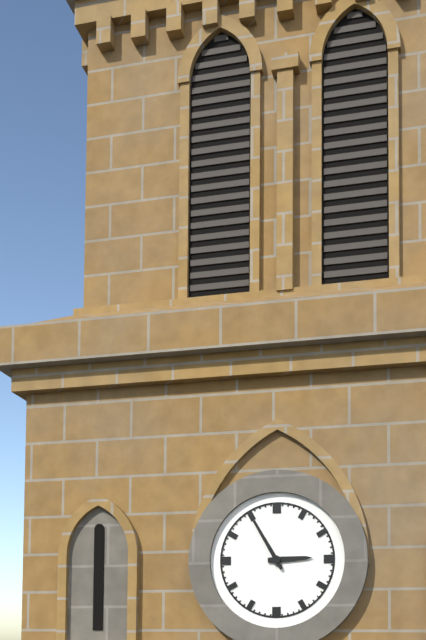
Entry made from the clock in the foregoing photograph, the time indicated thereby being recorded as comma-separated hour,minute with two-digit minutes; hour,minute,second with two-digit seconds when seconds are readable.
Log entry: 2,55
